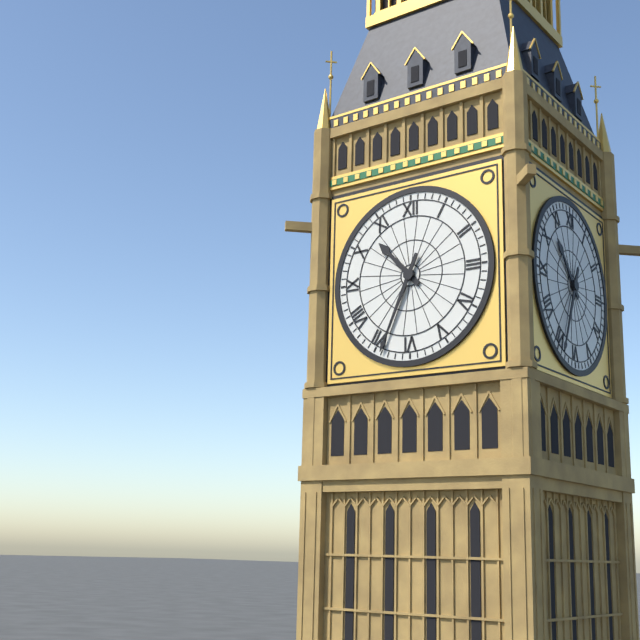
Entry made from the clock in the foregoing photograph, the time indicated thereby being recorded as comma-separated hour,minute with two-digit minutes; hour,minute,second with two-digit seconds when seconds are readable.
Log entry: 10,34
